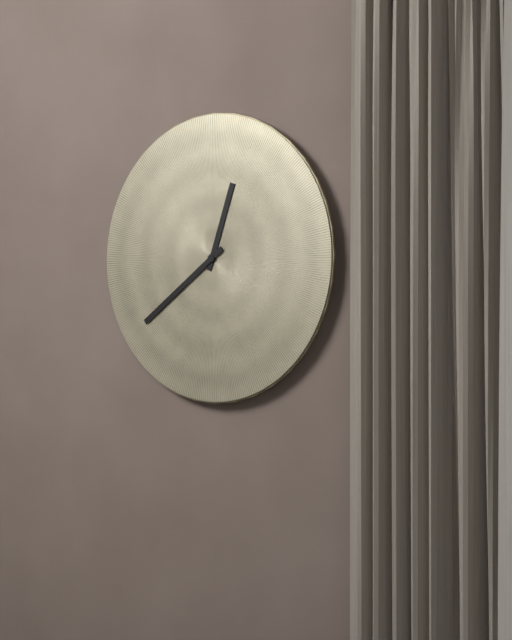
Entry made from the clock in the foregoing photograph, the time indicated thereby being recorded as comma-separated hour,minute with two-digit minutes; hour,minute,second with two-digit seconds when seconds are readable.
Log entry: 12,39
